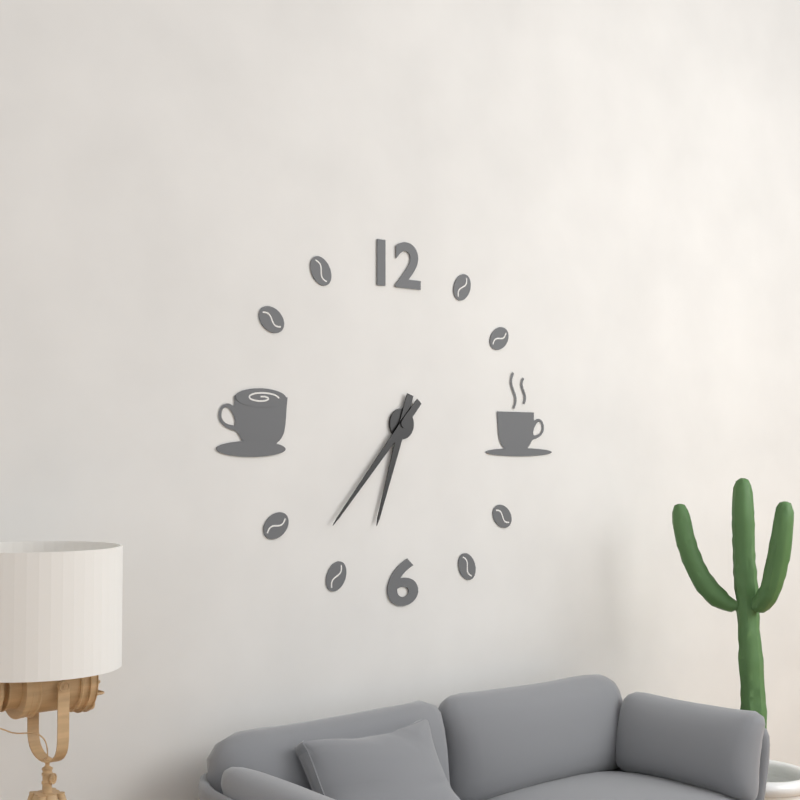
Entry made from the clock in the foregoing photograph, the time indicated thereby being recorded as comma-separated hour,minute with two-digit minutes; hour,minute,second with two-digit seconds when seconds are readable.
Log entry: 6,37
